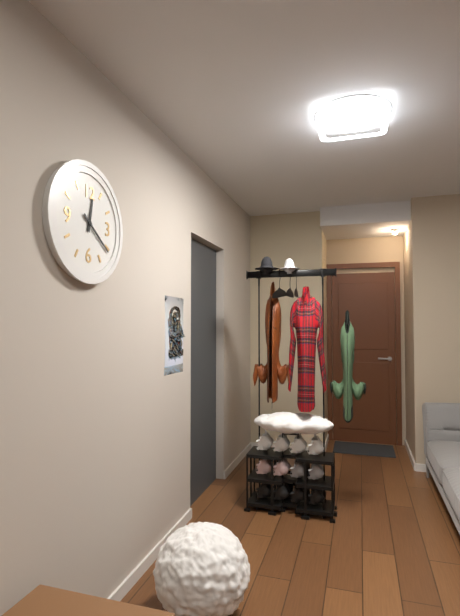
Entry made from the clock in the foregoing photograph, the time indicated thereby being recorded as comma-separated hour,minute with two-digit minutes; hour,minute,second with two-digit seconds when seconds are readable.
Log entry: 12,21
